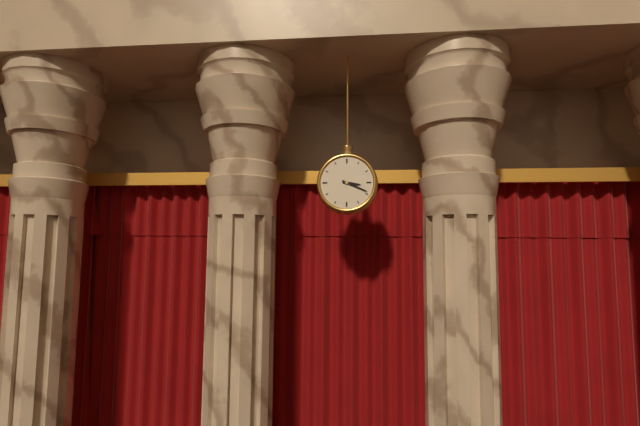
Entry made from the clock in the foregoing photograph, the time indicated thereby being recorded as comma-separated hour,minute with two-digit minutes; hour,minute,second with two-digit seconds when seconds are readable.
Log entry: 3,19
